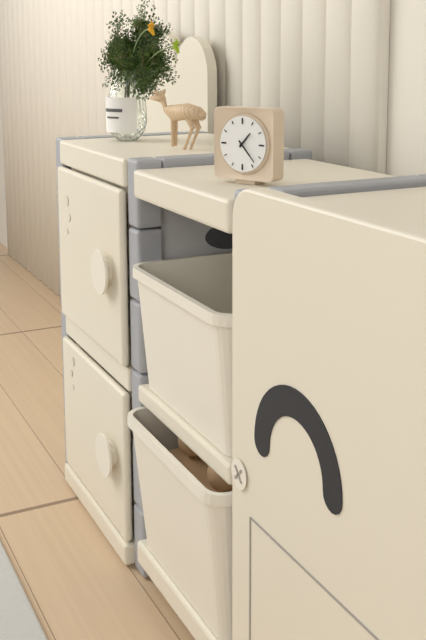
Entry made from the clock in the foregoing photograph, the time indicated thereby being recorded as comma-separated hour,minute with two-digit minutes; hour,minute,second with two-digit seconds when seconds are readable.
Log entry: 1,23
